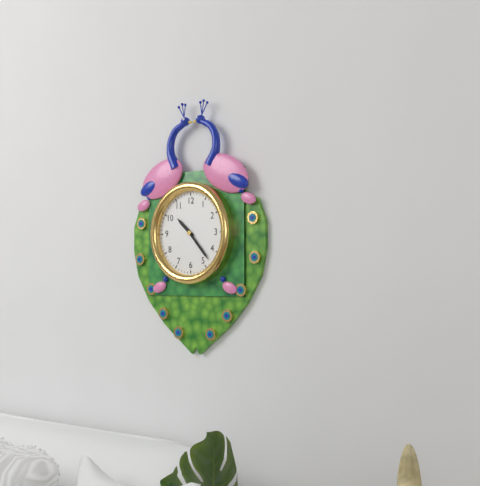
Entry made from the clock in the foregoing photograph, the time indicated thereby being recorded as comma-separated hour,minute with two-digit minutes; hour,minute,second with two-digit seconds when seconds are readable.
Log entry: 10,23
